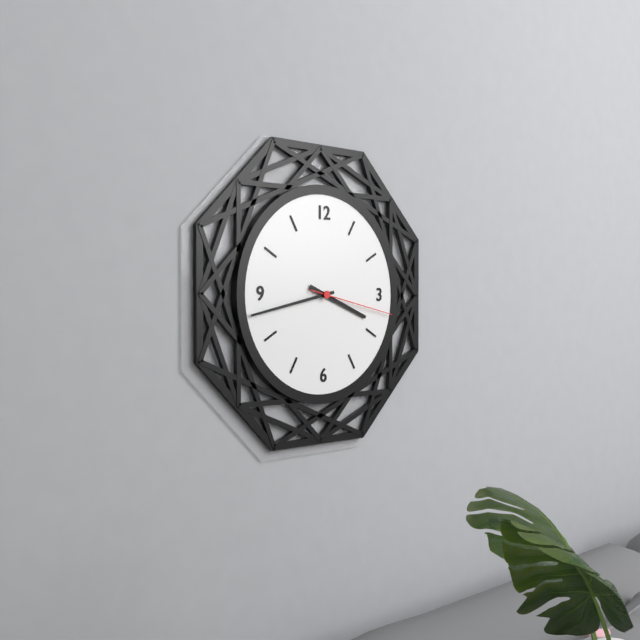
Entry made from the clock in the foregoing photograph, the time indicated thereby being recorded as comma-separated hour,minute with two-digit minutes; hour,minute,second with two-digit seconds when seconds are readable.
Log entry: 3,43,17
